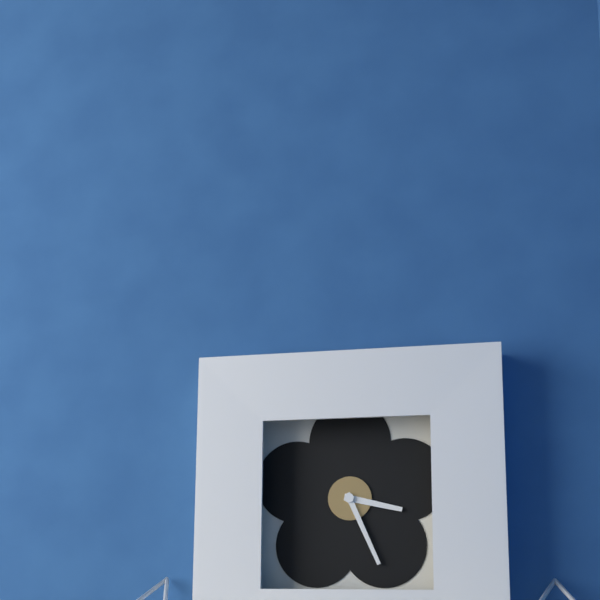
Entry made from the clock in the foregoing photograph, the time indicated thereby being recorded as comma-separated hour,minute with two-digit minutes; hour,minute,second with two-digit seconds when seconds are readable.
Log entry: 3,26
